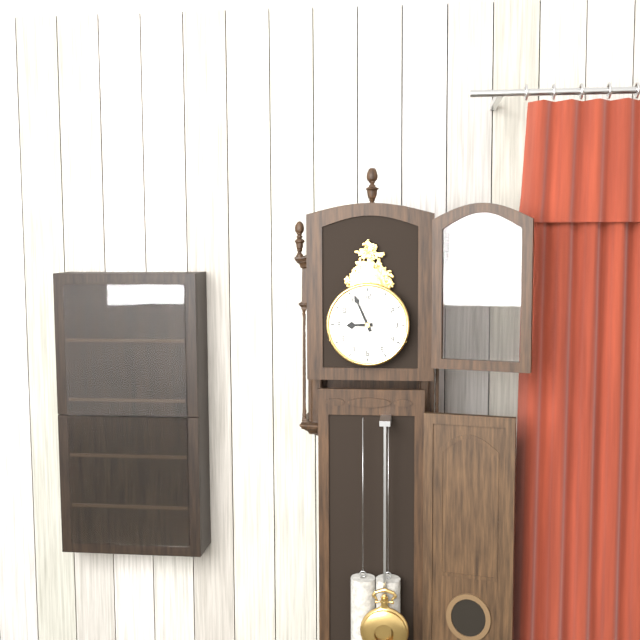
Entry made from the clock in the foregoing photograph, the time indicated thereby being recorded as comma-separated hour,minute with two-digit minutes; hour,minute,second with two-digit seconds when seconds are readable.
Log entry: 8,56
